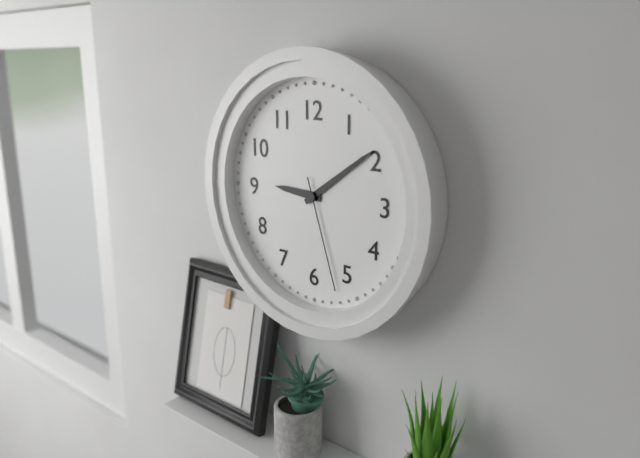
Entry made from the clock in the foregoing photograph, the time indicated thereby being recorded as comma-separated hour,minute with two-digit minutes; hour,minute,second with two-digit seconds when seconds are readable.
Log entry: 9,09,27
